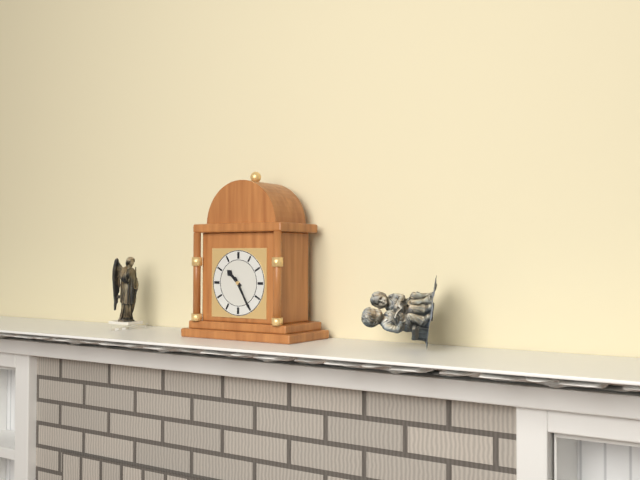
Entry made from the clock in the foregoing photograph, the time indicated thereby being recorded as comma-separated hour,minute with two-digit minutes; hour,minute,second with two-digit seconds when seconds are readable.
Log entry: 10,25
